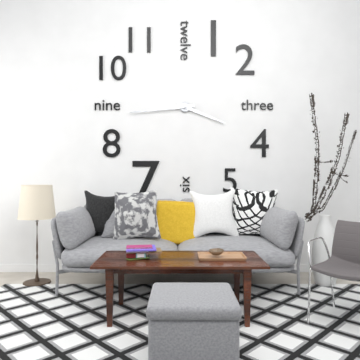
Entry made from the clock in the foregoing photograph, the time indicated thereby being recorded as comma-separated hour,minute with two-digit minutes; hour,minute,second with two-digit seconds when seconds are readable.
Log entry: 3,44
